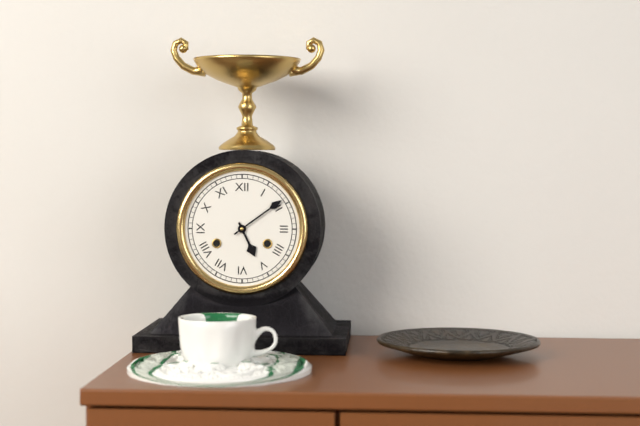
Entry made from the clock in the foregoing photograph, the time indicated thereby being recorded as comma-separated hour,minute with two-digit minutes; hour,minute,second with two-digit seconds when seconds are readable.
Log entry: 5,09
